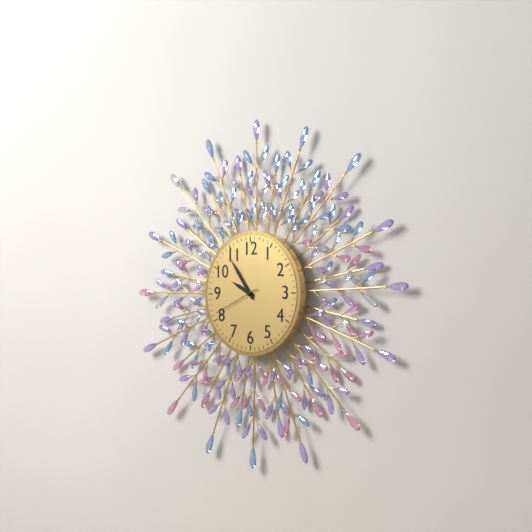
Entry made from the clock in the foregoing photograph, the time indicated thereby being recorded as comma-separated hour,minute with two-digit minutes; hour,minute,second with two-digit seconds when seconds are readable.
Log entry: 9,54,41
